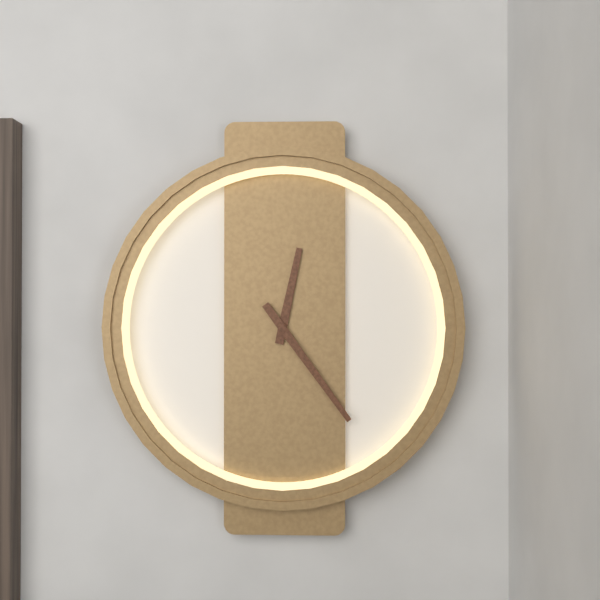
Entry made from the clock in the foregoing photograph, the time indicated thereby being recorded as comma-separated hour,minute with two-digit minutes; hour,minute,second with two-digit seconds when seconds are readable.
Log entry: 12,24
